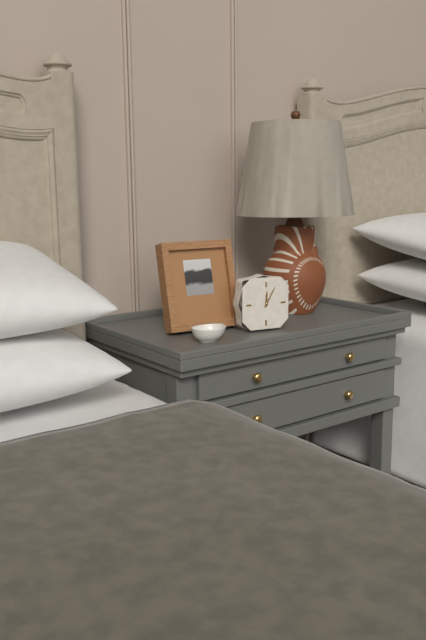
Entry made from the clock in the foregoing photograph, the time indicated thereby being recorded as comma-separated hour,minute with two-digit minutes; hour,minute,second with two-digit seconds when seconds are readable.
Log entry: 12,05
